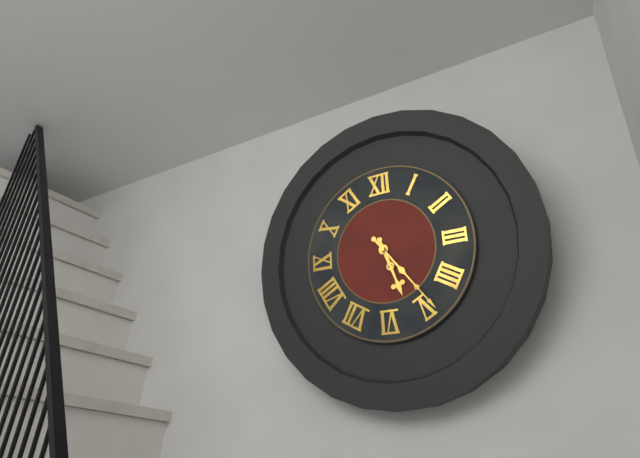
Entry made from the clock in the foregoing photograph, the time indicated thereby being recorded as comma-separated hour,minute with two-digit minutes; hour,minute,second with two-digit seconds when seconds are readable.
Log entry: 5,24
